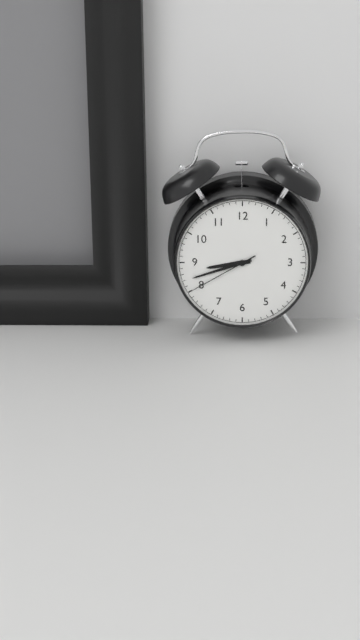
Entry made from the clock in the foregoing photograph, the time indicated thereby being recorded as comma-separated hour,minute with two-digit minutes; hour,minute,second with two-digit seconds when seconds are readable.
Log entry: 8,42,40
